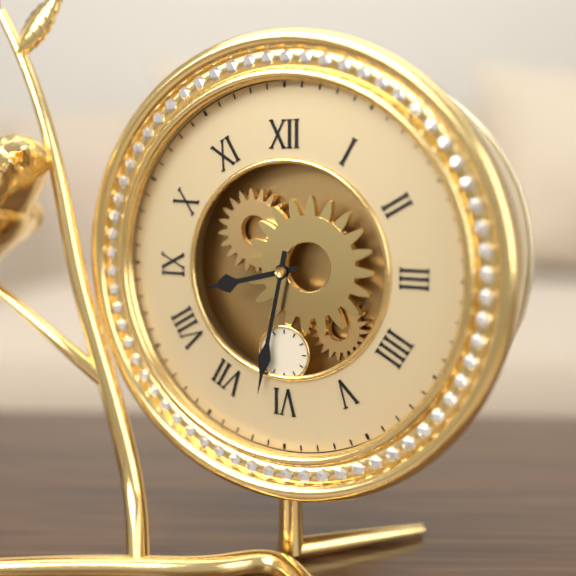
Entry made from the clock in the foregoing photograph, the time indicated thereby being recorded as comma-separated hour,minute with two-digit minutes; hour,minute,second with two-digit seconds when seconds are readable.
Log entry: 8,32
